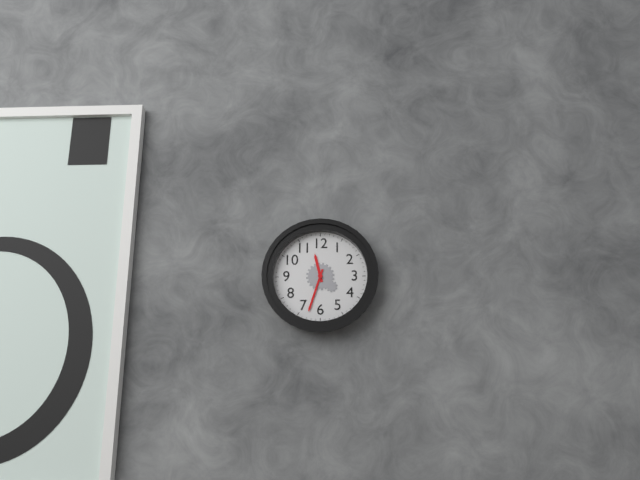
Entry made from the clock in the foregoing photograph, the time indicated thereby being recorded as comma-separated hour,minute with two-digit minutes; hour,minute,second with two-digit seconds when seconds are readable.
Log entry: 11,33
